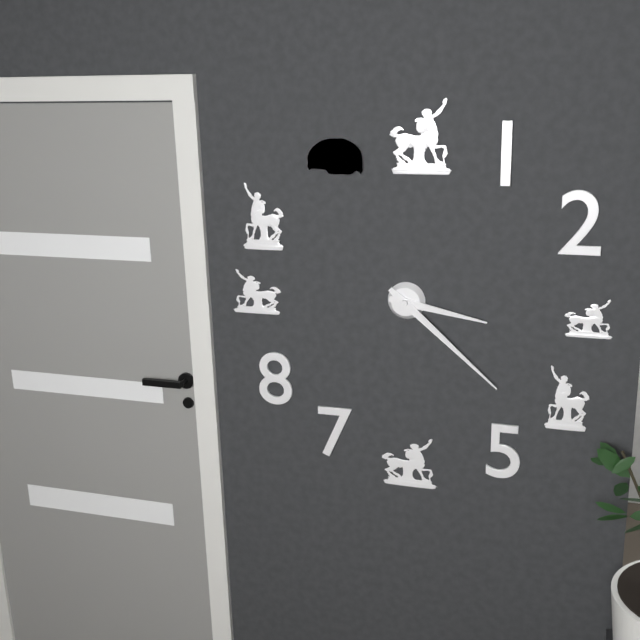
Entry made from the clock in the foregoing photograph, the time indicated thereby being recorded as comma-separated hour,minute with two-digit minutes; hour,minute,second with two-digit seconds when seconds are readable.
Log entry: 3,22
